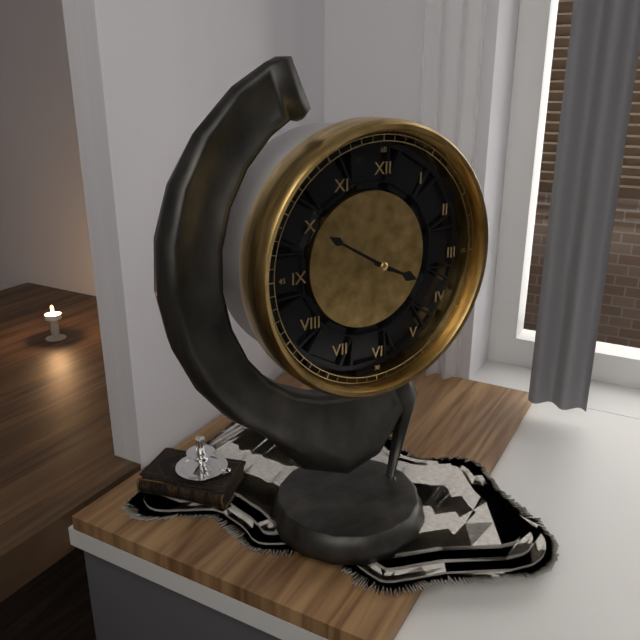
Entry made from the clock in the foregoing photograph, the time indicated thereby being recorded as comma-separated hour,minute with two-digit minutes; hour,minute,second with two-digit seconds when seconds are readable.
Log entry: 3,50
